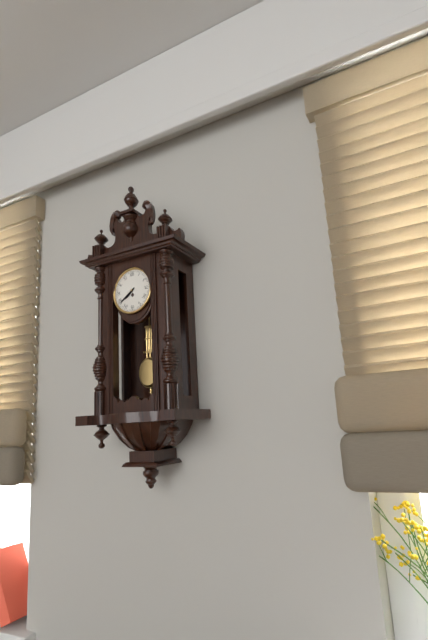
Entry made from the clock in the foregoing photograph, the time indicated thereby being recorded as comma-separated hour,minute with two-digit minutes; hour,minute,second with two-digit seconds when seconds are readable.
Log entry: 7,39
